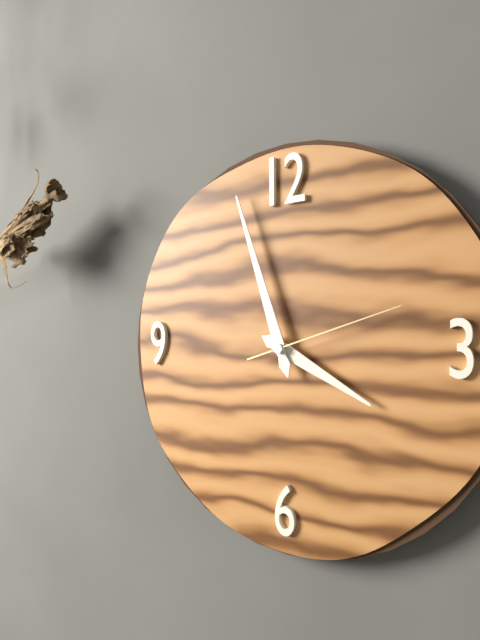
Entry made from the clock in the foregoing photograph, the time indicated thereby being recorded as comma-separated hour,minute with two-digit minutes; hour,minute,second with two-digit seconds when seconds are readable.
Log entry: 3,57,12
